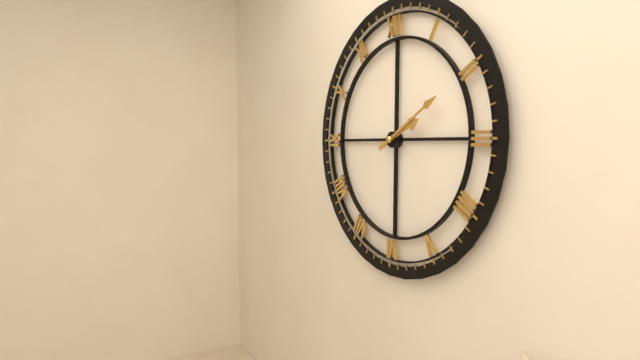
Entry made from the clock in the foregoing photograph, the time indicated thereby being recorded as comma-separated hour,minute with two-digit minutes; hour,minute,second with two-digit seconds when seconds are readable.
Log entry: 2,10
